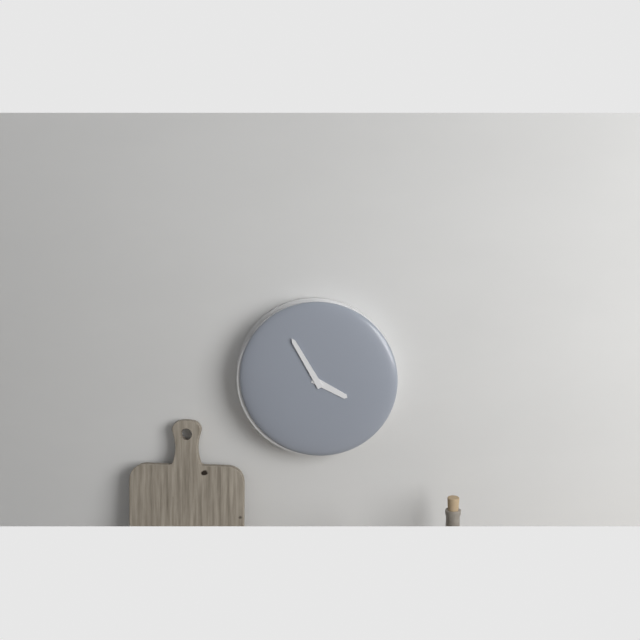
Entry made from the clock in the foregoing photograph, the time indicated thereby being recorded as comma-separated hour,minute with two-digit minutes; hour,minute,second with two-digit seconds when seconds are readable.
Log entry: 3,55
